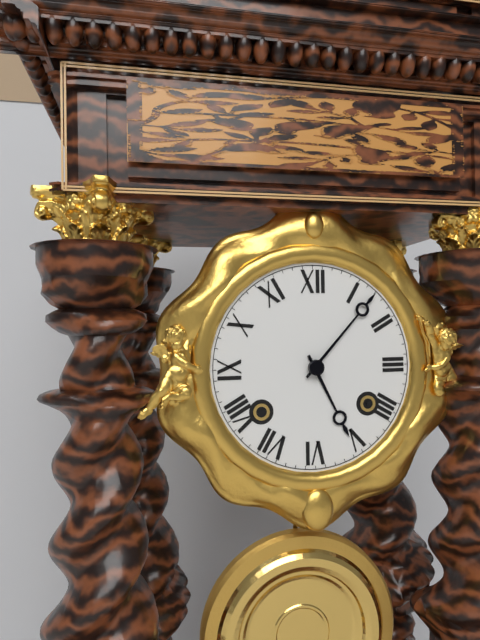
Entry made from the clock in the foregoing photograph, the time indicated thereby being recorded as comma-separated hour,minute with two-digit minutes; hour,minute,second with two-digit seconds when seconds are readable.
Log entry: 5,07
